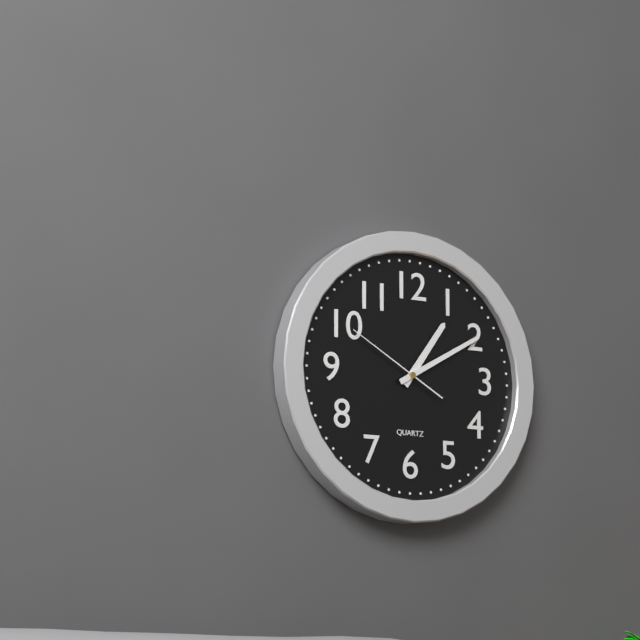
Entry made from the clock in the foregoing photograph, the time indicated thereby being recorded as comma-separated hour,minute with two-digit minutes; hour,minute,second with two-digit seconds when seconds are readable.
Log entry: 1,10,50
